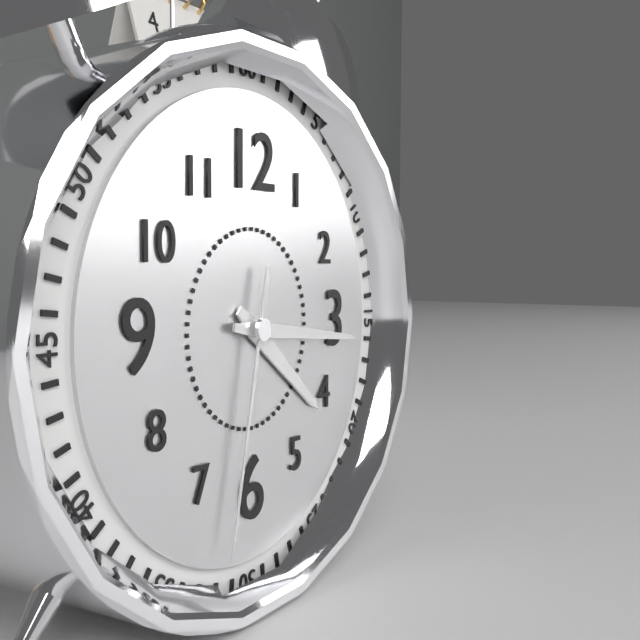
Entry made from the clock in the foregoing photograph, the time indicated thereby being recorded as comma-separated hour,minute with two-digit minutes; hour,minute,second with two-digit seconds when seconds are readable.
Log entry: 4,16,32
